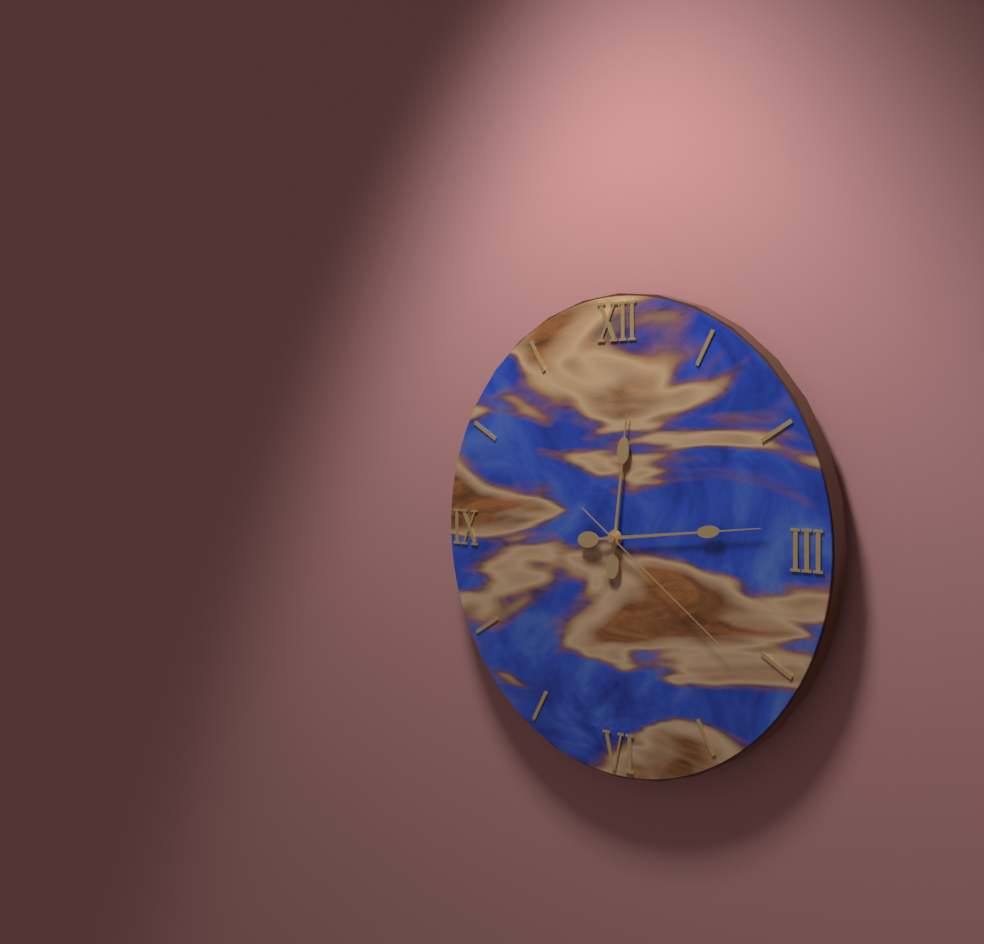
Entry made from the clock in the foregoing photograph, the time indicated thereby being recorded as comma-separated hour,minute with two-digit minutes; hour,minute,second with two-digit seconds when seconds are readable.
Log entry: 12,14,21
